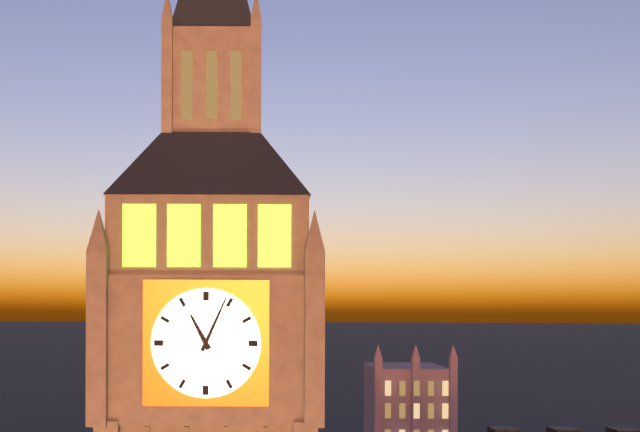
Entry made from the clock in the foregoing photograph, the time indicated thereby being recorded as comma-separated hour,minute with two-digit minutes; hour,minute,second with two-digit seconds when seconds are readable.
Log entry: 11,04
